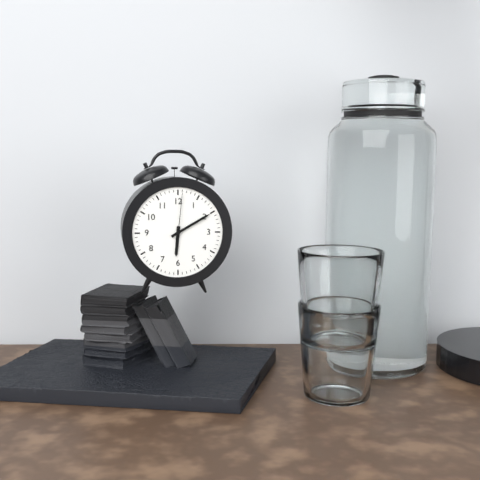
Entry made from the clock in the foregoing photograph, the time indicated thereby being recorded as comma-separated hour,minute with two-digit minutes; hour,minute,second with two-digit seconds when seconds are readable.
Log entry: 6,10
